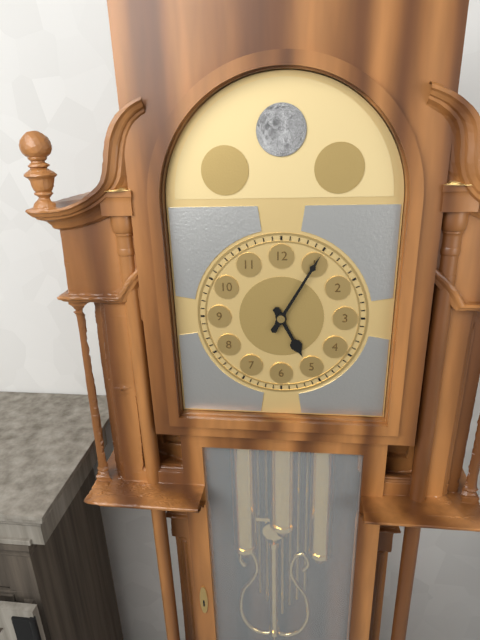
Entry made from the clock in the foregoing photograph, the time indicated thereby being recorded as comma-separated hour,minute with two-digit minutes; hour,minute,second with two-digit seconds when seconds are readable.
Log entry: 5,05
